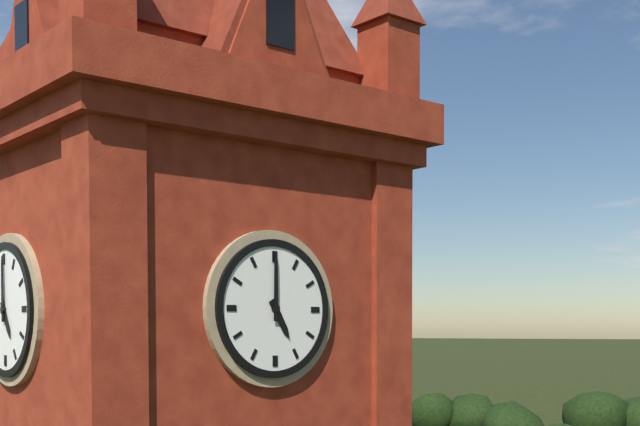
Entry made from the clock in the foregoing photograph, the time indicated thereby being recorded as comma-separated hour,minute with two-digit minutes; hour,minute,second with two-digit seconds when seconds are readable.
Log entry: 5,00
